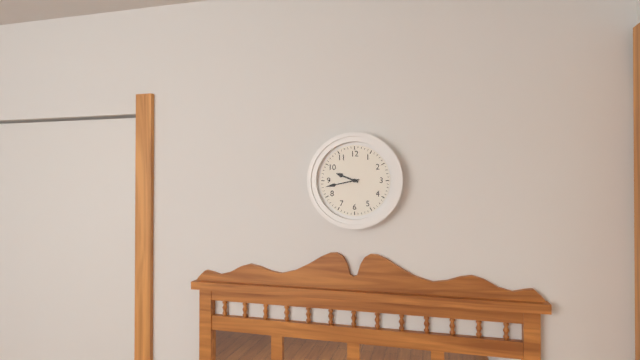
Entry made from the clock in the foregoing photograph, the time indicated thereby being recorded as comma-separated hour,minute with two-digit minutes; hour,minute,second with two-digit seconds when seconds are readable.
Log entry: 9,43
